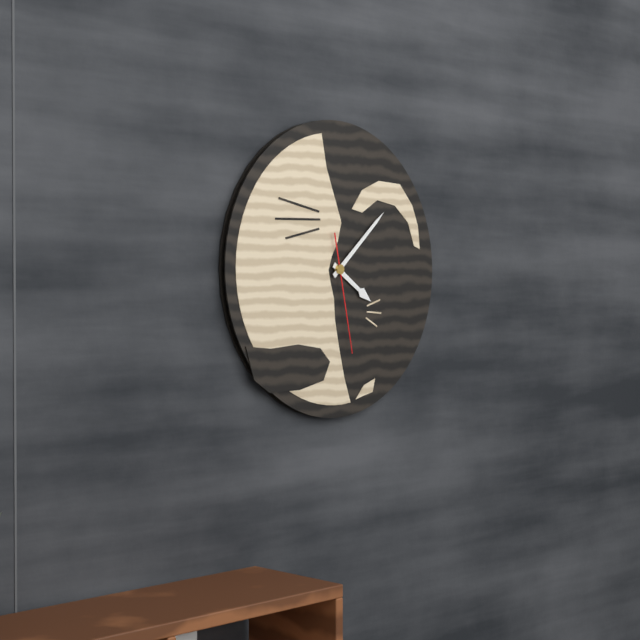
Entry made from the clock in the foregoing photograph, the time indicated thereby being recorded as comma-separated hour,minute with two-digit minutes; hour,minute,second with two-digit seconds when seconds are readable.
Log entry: 4,08,28
